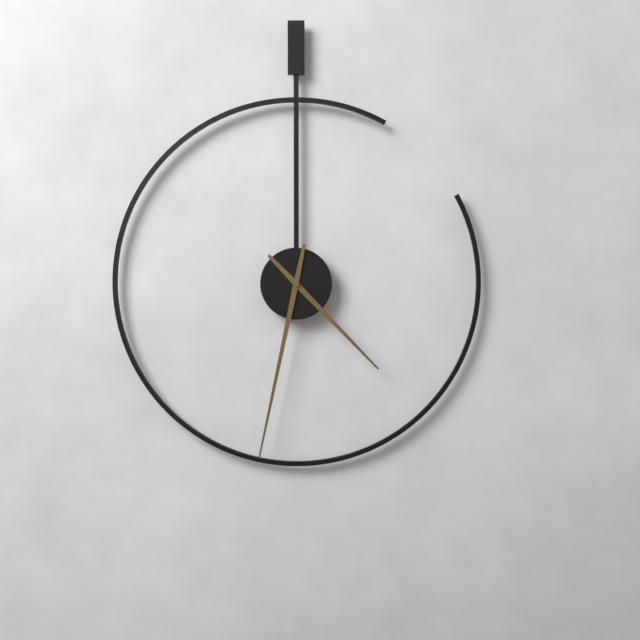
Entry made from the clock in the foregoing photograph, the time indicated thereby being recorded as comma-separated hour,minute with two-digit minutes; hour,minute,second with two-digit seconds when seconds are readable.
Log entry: 4,32
